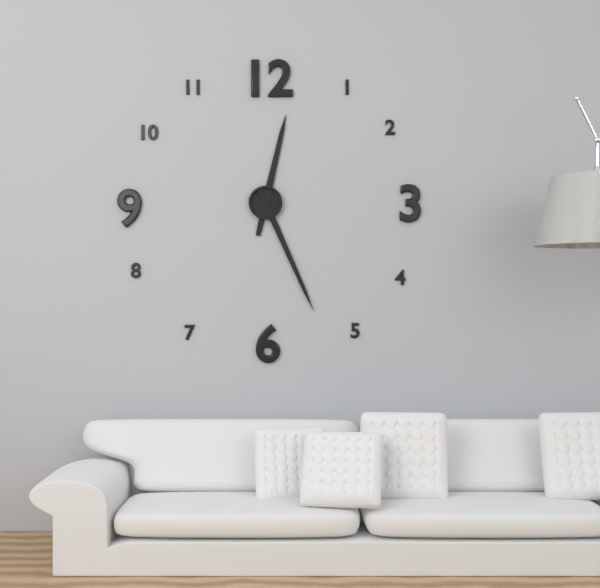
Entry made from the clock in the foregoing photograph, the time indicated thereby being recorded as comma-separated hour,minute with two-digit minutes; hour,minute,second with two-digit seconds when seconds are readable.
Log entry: 12,26
